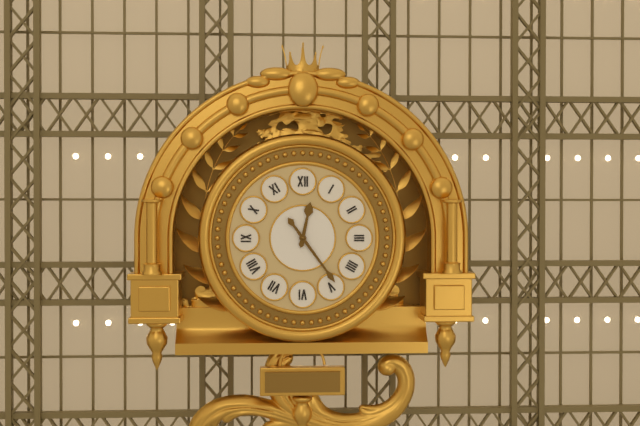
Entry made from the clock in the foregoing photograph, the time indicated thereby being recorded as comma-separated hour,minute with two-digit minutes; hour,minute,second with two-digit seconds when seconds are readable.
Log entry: 12,24
